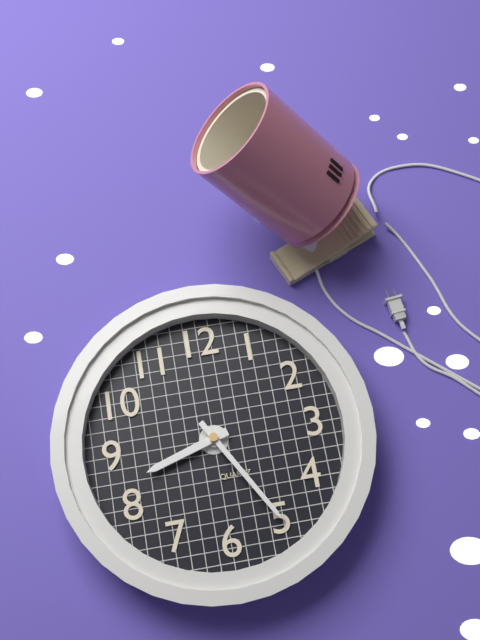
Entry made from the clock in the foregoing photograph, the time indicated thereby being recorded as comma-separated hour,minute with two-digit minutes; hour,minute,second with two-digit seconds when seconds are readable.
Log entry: 8,25
